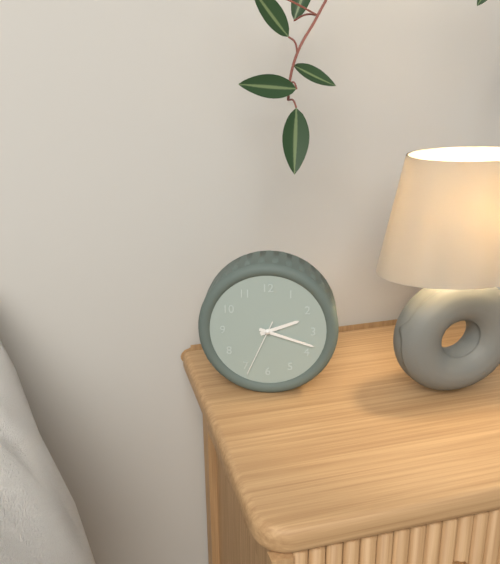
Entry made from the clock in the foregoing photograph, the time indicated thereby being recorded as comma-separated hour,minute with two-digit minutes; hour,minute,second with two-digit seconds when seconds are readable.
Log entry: 2,18,34
